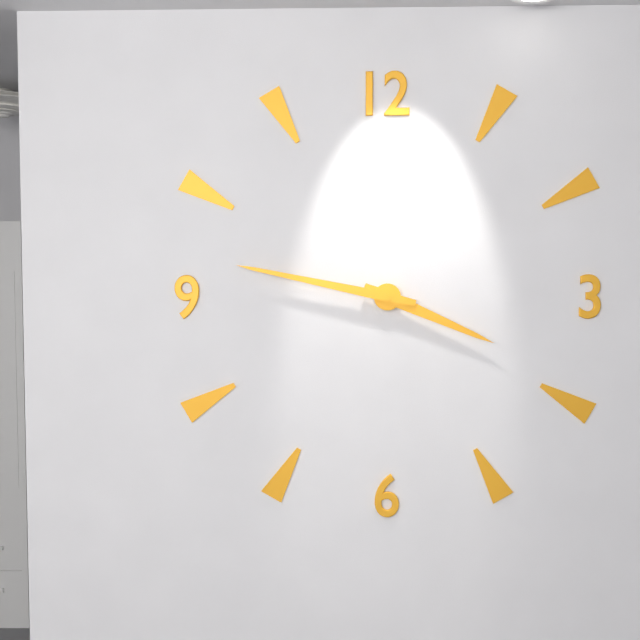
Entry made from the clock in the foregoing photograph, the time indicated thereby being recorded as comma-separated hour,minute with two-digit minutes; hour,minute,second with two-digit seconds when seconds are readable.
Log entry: 3,47
